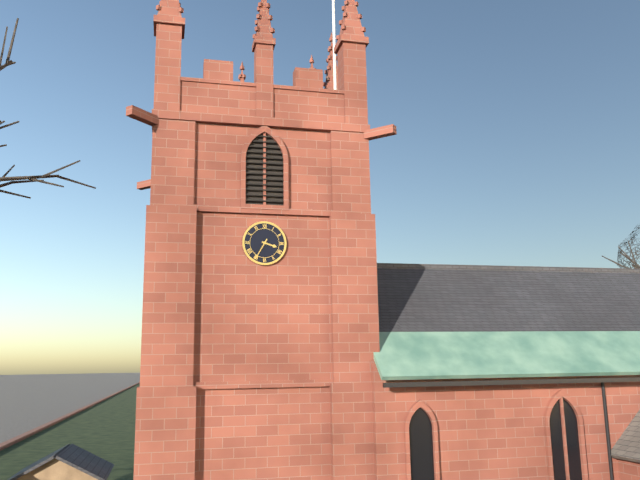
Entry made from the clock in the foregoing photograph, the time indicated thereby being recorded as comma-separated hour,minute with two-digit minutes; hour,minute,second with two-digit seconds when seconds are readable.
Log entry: 3,35
